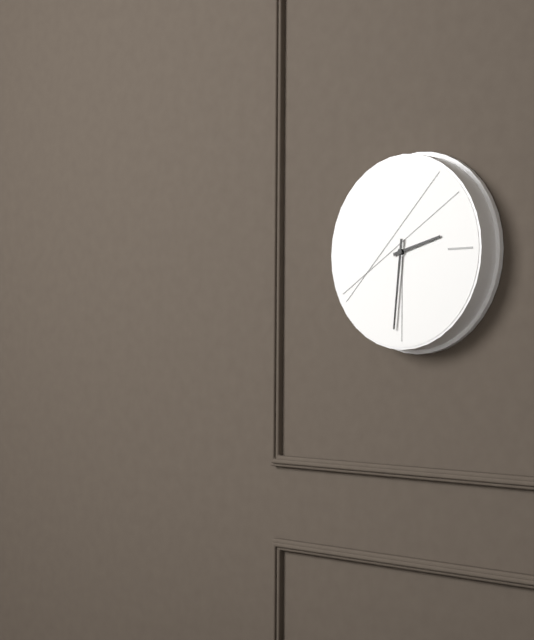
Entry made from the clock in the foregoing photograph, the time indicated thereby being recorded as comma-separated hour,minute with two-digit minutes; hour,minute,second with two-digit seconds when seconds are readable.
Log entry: 2,31
